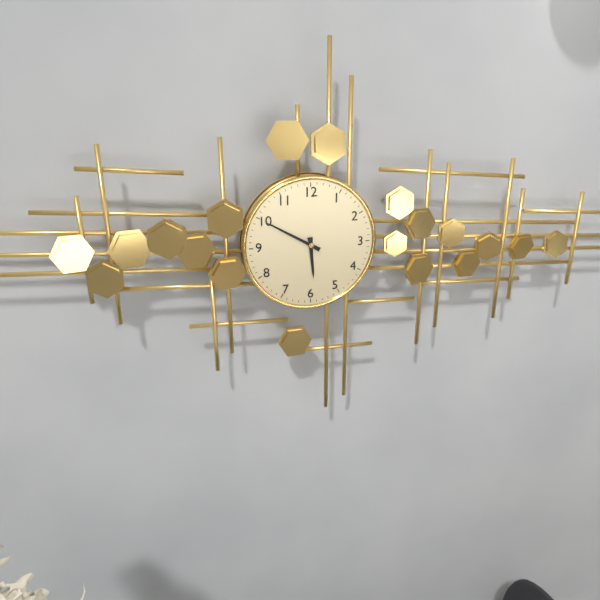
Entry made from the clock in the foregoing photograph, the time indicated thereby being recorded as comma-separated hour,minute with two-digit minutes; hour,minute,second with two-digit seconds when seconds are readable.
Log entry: 5,50
